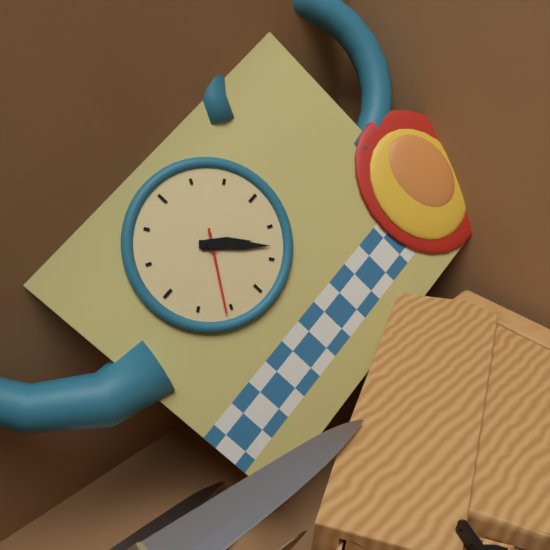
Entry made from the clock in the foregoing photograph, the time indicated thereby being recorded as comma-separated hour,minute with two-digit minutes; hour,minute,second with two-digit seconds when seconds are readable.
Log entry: 4,23,36
